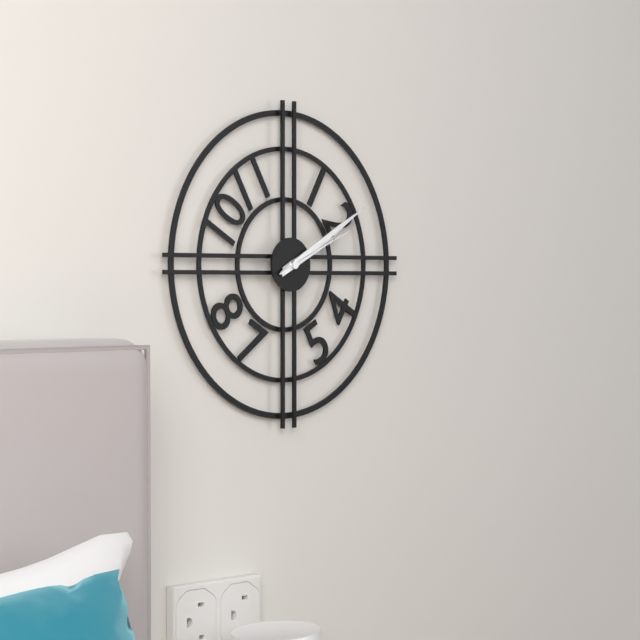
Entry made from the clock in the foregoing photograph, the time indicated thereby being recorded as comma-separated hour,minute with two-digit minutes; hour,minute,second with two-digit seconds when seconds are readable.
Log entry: 2,10,11
